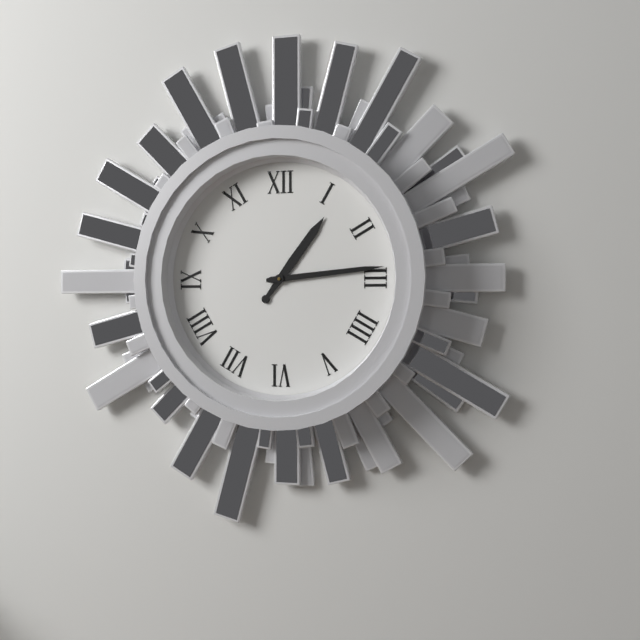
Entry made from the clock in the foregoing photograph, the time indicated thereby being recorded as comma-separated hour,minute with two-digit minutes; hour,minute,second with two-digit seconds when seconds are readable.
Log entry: 1,14
